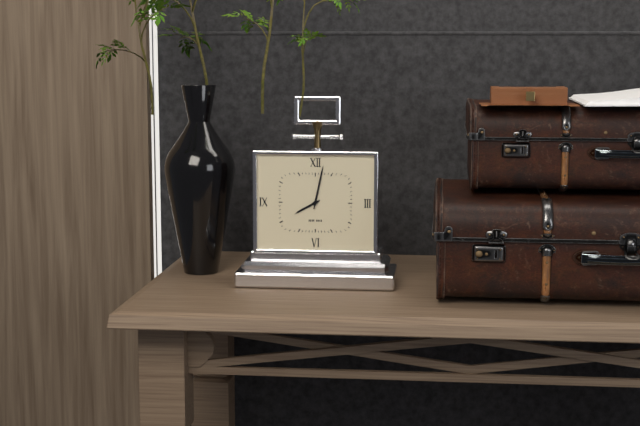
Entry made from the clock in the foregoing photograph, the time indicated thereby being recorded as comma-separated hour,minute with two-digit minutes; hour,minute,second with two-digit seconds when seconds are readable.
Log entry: 8,02
